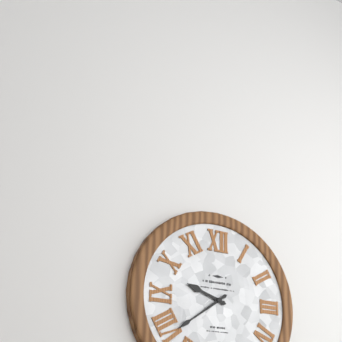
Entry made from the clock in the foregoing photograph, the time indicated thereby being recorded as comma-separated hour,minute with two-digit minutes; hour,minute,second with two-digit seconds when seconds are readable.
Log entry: 9,39
